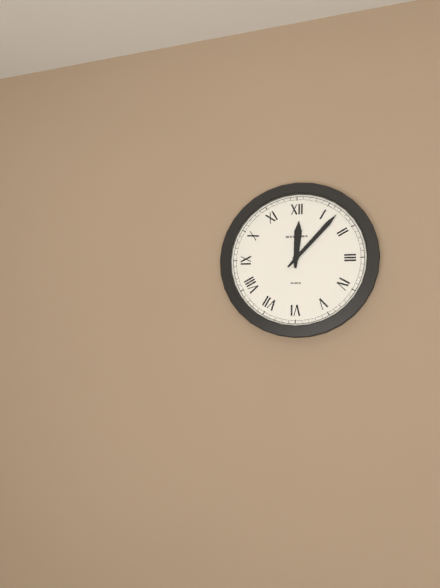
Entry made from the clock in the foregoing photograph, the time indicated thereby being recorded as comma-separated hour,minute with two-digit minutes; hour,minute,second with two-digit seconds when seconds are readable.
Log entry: 12,07
